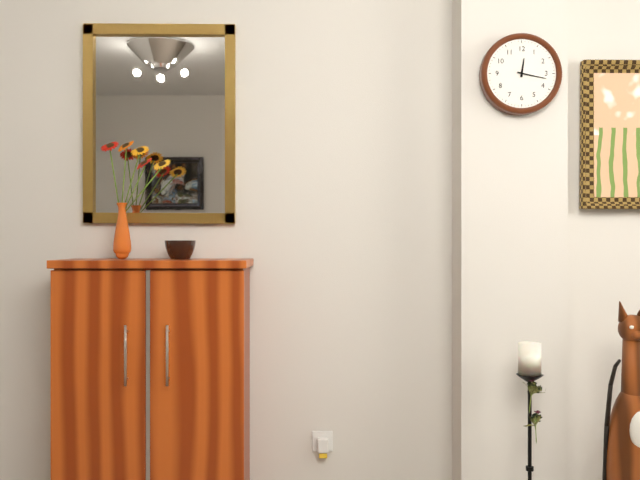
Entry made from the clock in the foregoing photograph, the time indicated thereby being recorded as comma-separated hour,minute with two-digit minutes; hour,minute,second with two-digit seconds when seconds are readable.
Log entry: 12,17
